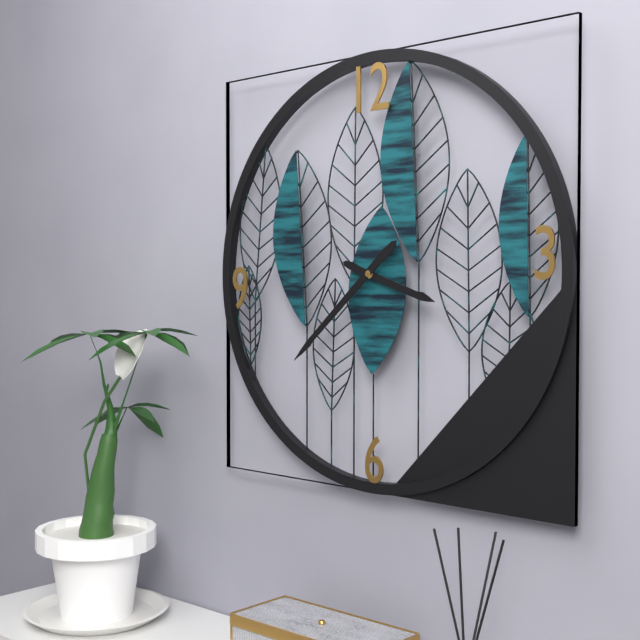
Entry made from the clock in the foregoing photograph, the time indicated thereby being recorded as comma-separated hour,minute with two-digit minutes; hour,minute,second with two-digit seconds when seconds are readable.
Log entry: 3,38
